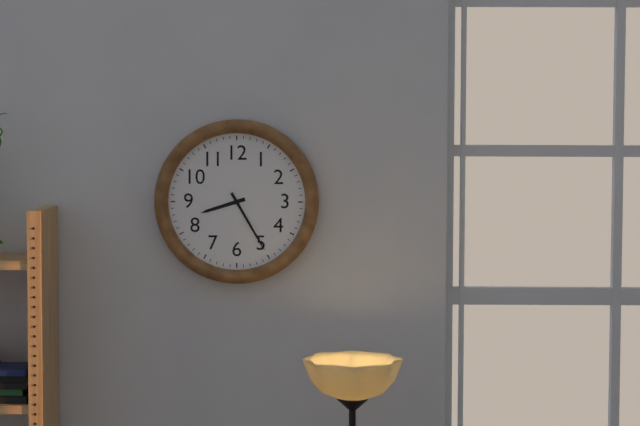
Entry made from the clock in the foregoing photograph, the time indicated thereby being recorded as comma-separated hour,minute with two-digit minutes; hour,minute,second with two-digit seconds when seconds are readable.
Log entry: 8,25
